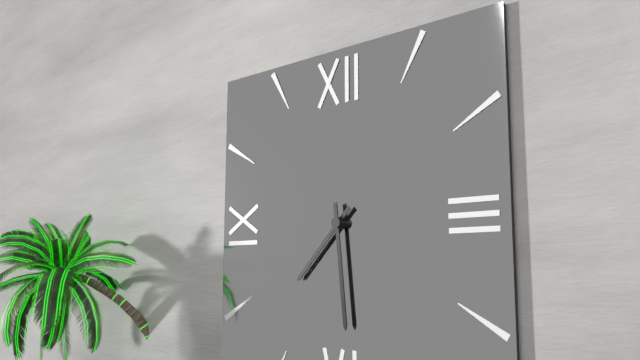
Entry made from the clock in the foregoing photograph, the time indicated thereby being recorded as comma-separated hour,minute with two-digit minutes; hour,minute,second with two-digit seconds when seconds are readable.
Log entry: 7,29
